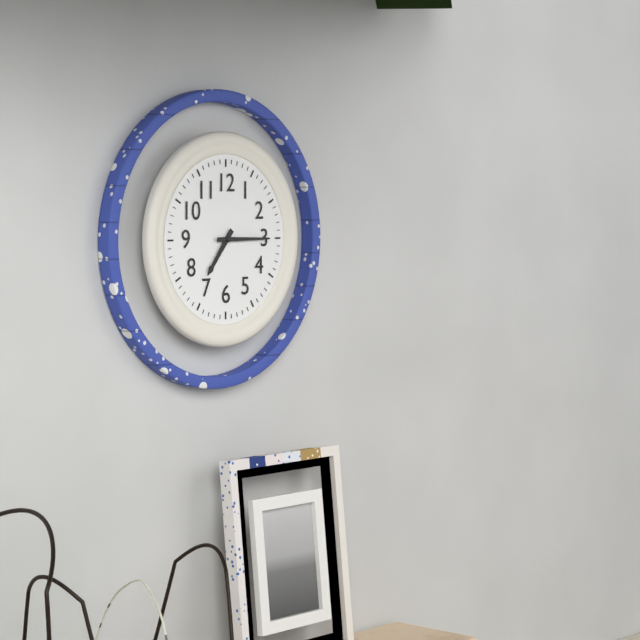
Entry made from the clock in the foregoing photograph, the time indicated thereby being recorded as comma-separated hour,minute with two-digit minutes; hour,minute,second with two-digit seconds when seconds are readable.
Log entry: 7,15
